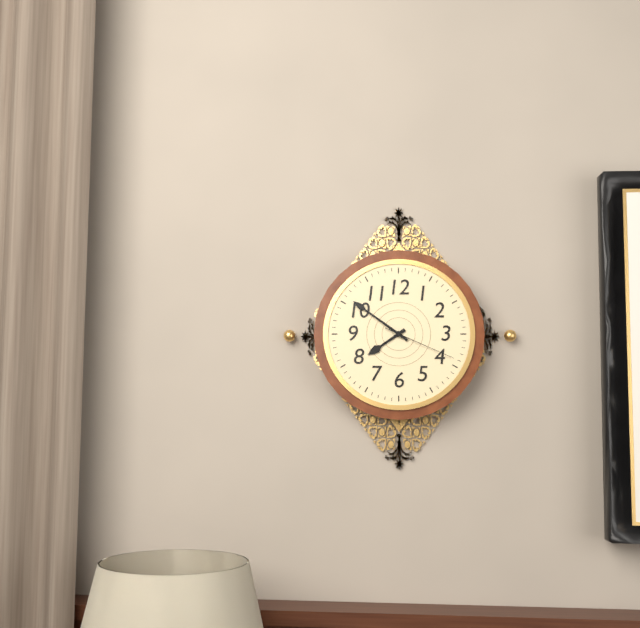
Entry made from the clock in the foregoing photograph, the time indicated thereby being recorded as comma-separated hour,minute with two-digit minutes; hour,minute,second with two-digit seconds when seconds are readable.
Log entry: 7,51,19
